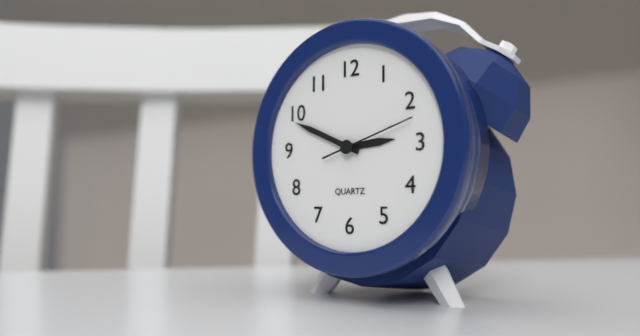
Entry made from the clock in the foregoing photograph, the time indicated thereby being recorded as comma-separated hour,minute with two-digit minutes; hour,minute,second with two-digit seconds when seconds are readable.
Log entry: 2,49,12
